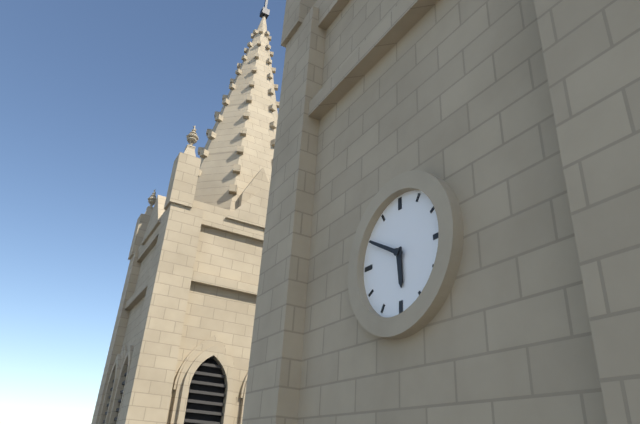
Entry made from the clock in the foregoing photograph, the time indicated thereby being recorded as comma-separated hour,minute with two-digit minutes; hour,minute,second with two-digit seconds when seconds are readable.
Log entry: 5,50
